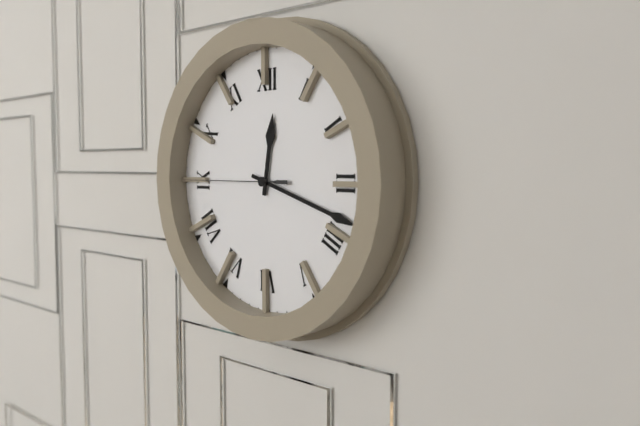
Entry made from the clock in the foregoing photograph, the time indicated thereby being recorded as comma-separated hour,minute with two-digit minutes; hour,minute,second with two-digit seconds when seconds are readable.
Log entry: 12,18,45
